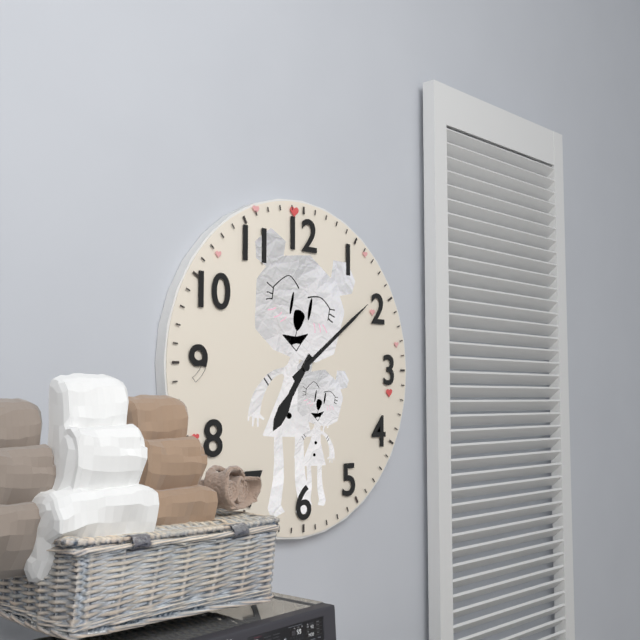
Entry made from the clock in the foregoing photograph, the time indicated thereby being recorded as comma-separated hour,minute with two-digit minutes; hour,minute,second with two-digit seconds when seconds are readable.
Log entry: 7,09
